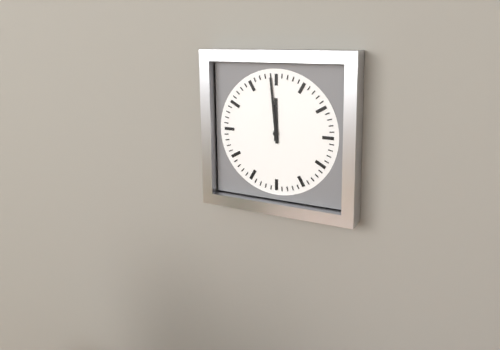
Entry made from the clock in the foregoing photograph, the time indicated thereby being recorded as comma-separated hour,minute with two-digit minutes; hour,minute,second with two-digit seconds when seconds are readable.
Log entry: 11,59
